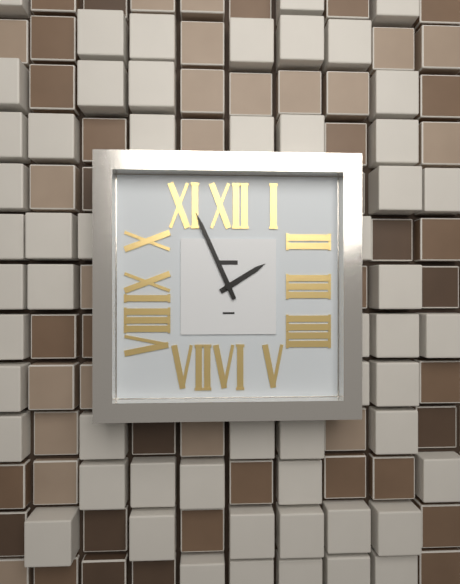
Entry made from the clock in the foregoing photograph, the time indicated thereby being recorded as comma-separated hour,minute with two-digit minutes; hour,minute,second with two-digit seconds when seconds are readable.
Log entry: 1,56
